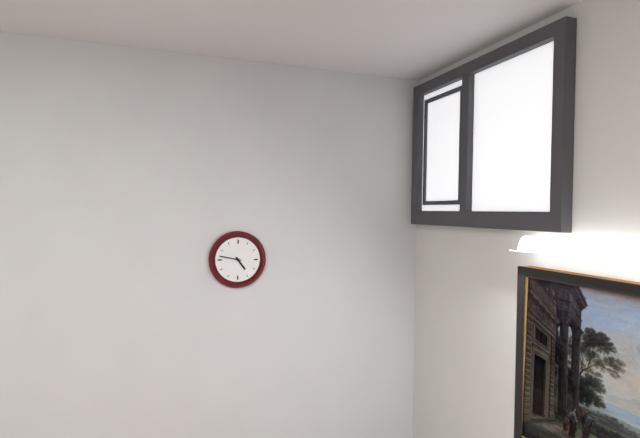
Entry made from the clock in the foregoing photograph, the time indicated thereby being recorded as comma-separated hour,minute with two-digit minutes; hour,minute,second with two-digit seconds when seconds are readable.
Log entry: 4,47
